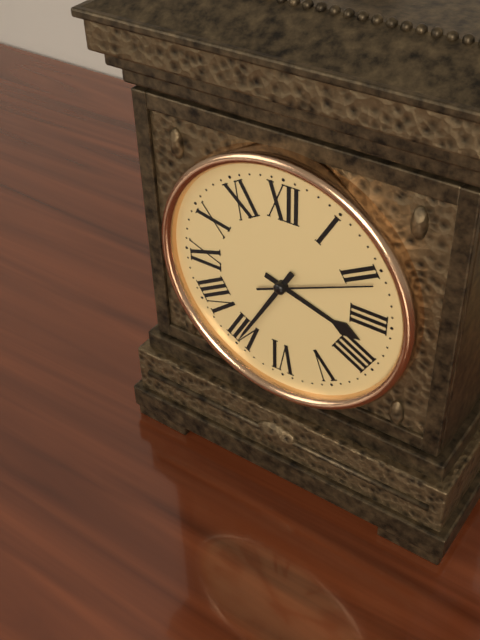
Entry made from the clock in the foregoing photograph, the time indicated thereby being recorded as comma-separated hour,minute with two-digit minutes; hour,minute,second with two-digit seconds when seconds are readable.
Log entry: 3,35,11
